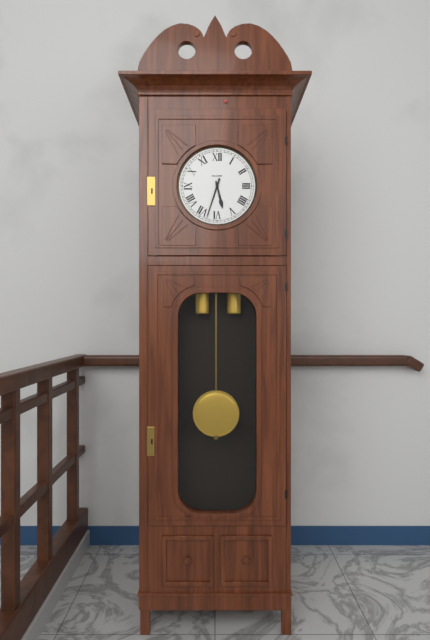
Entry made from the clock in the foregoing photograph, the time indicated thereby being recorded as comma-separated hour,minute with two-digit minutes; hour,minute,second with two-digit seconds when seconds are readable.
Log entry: 5,33
